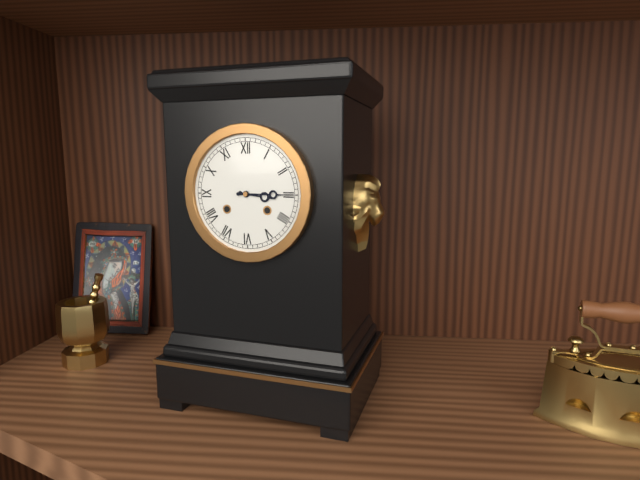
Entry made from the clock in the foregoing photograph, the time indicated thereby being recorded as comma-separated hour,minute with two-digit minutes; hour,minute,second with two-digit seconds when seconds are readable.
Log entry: 3,15
